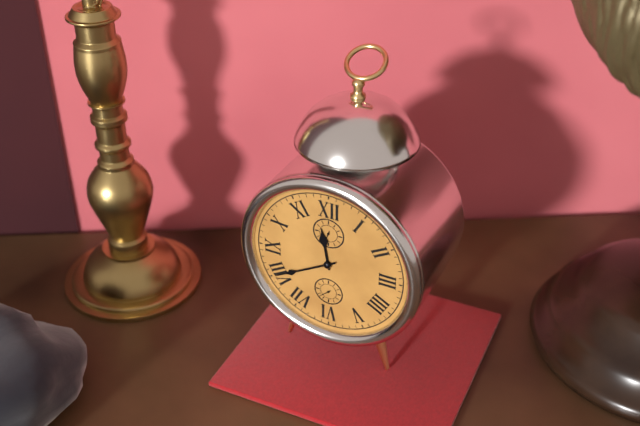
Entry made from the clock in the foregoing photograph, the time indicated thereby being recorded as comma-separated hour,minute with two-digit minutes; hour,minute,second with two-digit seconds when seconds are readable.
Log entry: 11,40
